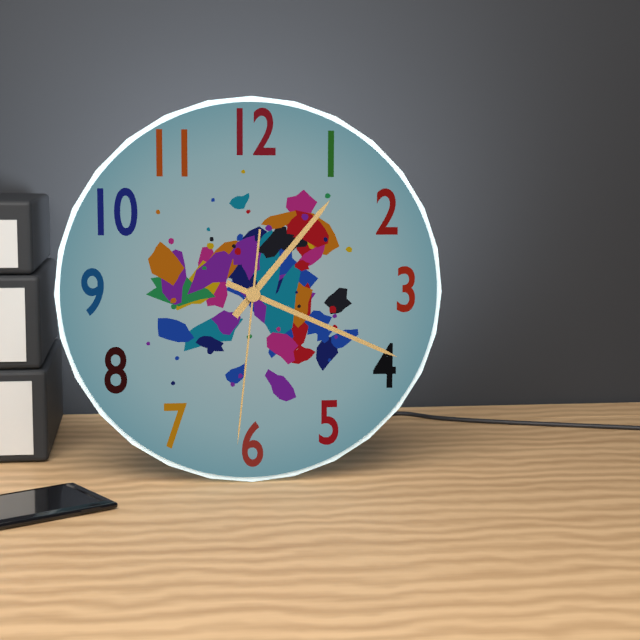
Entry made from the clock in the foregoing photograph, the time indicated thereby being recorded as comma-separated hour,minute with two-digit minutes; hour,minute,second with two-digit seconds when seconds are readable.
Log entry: 1,19,31
